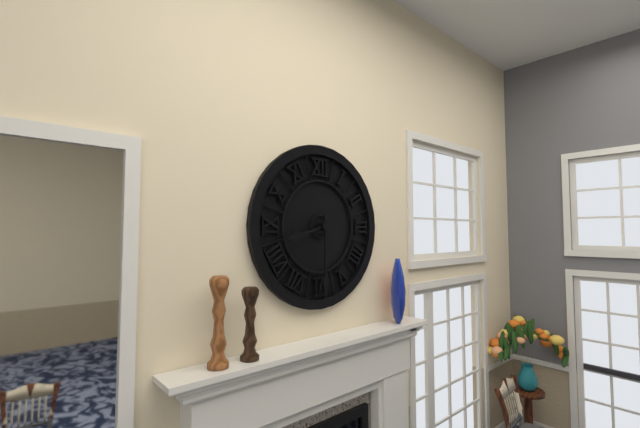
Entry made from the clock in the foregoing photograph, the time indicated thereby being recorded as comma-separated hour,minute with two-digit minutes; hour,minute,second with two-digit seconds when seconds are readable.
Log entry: 8,30
